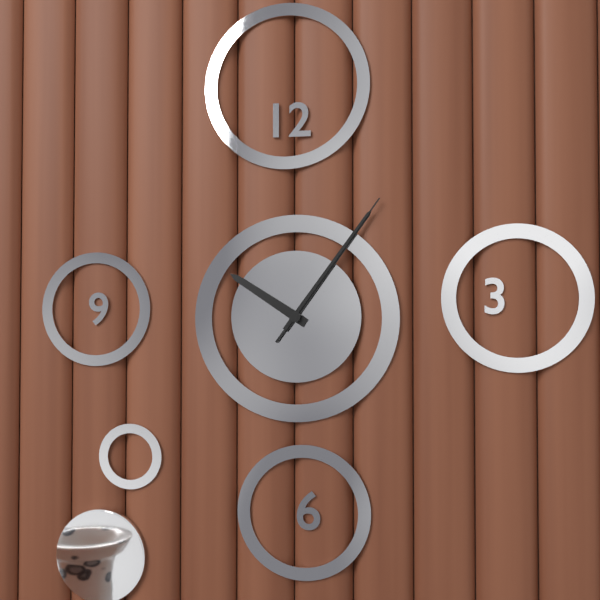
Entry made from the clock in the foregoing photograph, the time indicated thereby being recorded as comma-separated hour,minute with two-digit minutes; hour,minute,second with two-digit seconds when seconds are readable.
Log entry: 10,06,06
